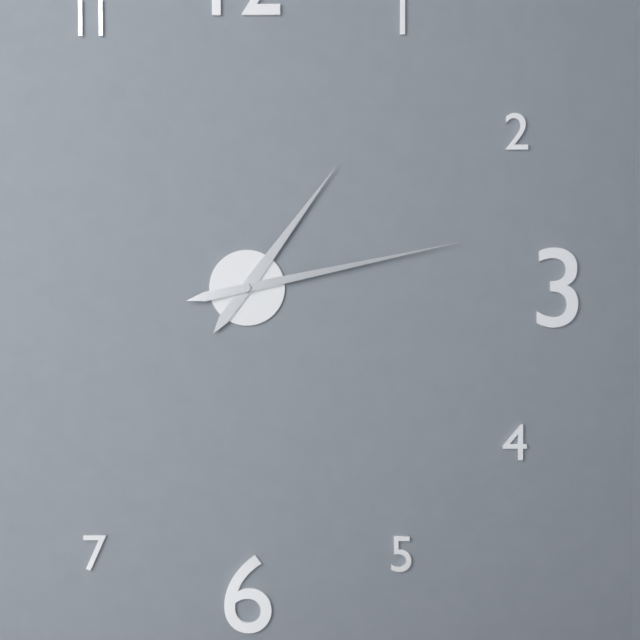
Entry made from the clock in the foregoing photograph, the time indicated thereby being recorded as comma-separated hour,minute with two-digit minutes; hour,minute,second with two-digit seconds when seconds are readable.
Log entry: 1,13
